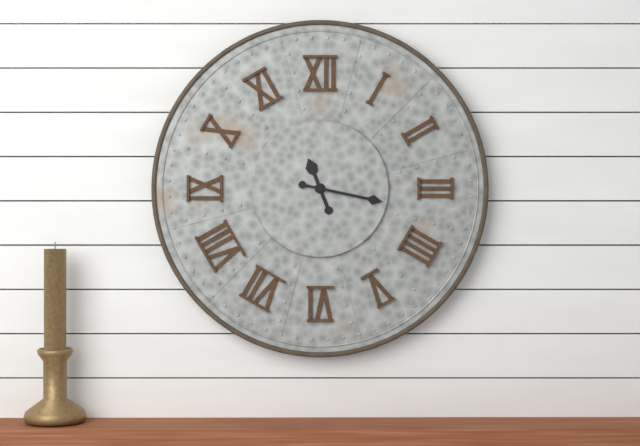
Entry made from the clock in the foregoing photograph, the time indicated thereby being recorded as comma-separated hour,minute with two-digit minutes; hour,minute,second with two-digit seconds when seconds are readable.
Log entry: 11,17
